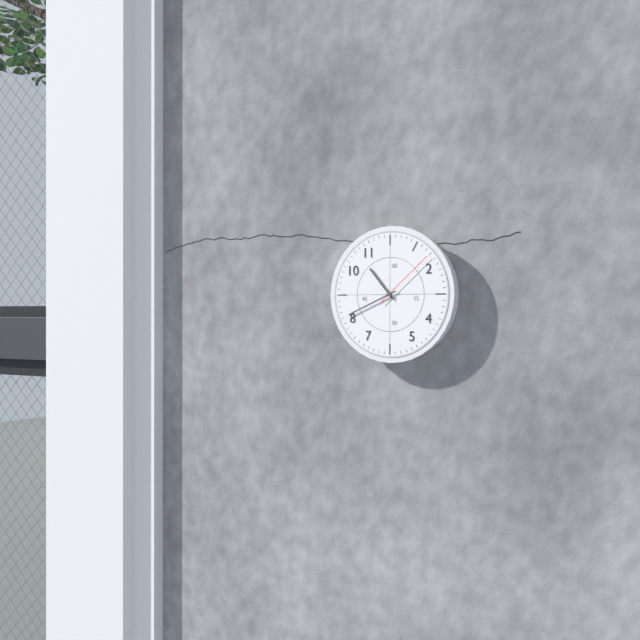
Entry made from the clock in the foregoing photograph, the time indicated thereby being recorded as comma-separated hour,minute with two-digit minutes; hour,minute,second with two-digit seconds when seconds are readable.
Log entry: 10,41,08
